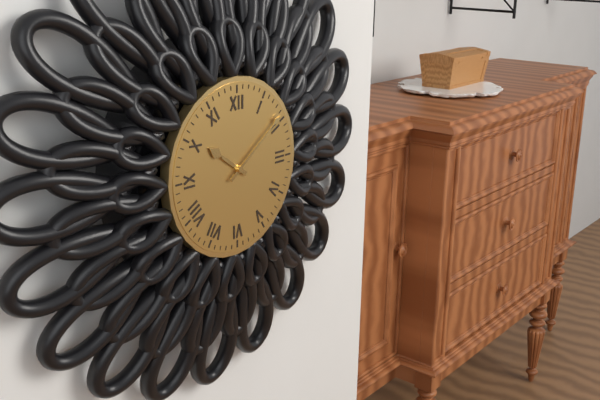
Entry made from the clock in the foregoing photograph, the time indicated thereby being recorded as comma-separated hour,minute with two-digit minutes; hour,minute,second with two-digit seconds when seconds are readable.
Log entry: 10,09
